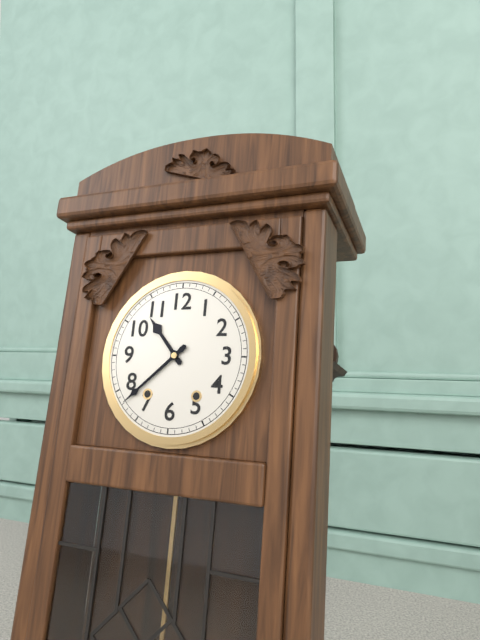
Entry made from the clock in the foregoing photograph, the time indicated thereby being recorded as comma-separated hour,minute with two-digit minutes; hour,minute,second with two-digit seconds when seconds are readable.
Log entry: 10,38
